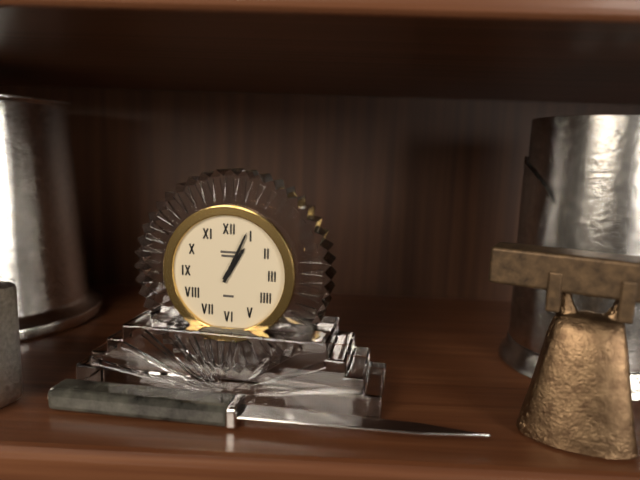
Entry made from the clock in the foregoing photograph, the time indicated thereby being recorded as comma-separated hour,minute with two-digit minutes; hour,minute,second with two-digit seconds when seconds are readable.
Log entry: 1,04
